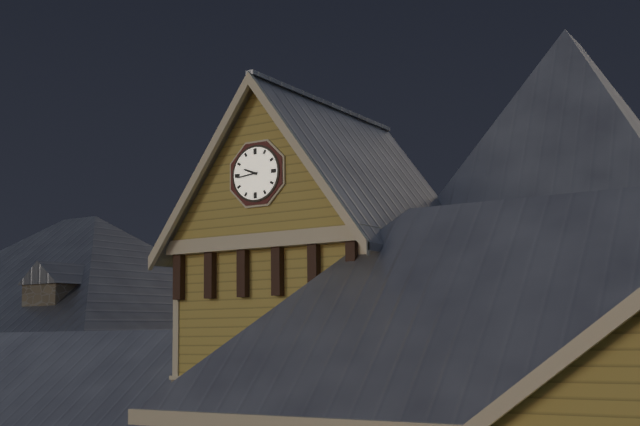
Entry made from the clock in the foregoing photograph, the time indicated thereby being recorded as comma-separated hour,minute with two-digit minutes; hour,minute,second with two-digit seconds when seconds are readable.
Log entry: 9,44
